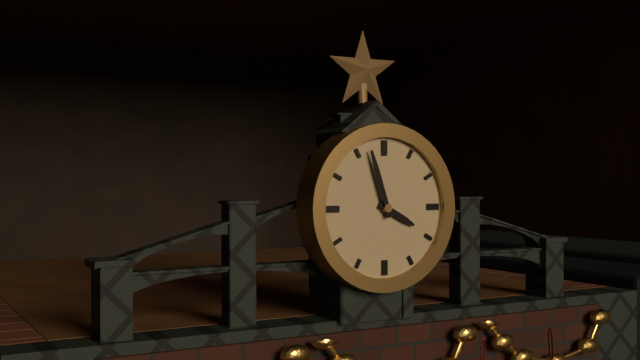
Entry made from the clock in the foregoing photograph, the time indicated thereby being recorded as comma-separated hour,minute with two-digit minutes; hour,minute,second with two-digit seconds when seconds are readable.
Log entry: 3,57
